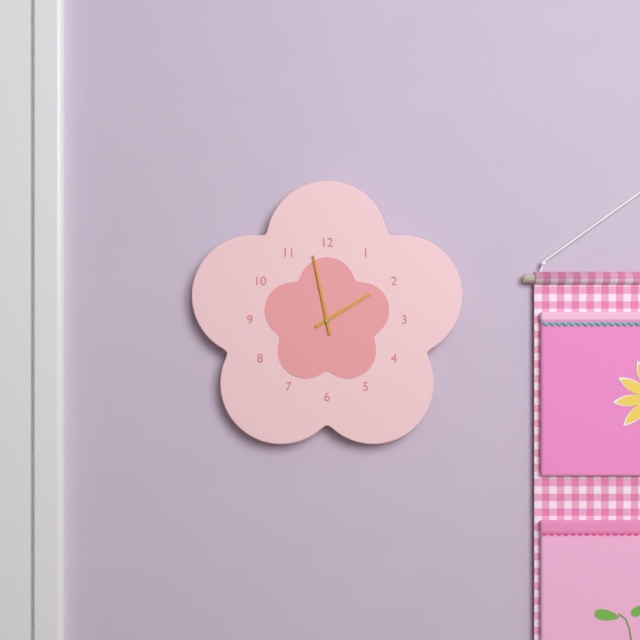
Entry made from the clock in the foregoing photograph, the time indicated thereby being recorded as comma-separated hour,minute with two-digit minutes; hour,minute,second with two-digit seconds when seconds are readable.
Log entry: 1,58
